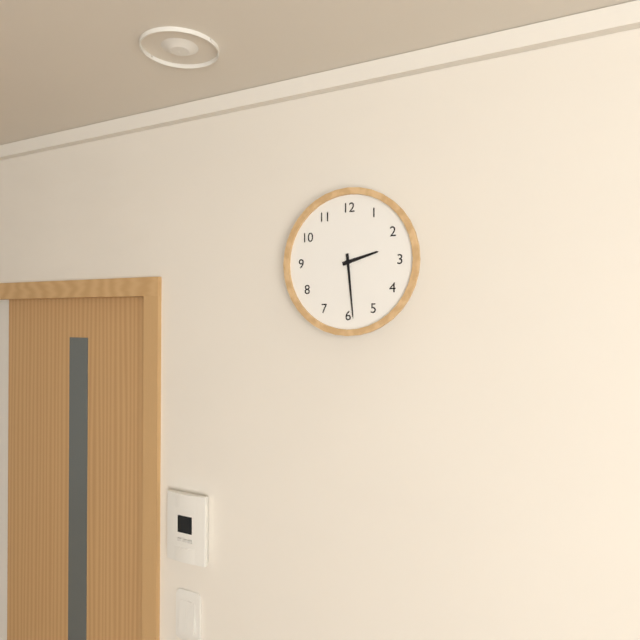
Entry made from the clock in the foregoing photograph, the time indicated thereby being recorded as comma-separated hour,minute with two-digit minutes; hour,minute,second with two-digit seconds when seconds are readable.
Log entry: 2,29
